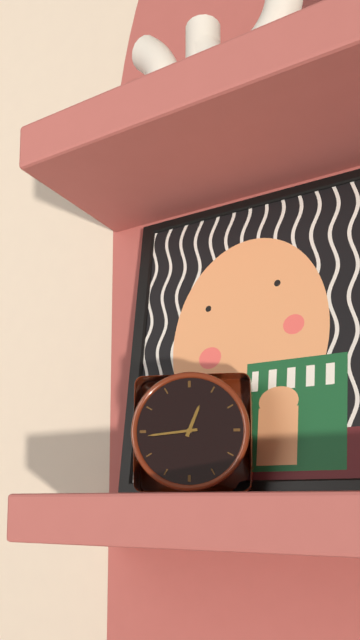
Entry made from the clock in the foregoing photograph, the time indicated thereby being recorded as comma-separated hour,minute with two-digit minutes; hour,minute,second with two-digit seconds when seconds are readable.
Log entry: 12,44
